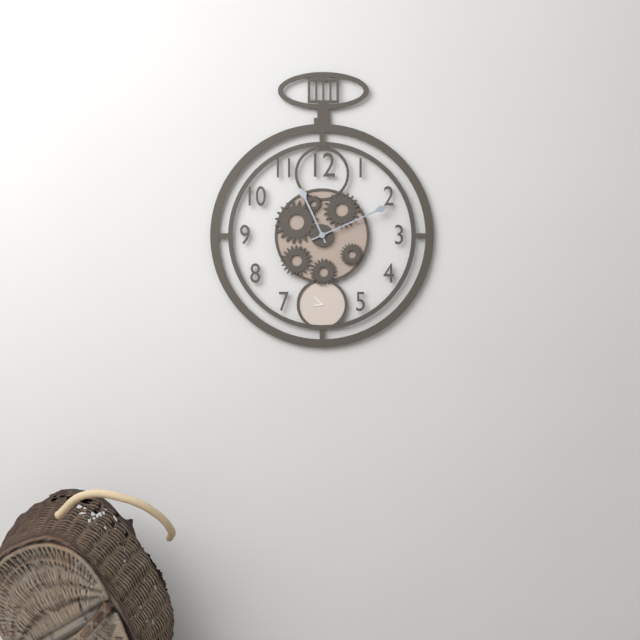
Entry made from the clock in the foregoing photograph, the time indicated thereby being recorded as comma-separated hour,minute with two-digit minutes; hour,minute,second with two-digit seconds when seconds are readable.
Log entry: 11,11
